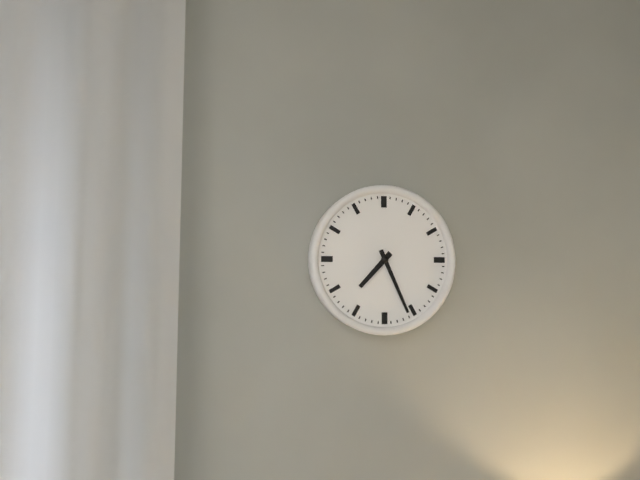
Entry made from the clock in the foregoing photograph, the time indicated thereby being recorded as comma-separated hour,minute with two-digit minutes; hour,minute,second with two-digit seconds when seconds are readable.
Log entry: 7,26
